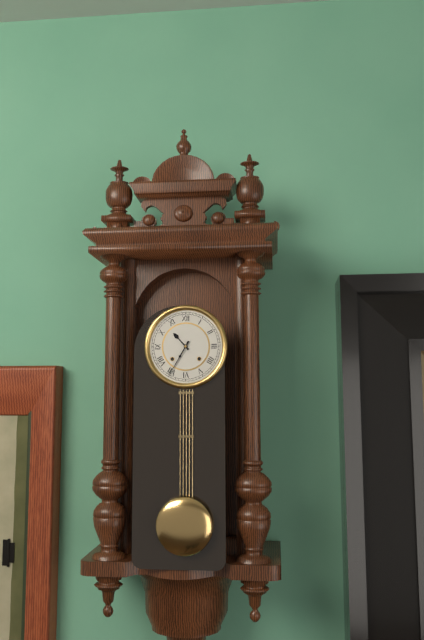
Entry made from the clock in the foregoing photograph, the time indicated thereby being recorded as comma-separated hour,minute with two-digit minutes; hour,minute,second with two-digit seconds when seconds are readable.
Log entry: 10,35
